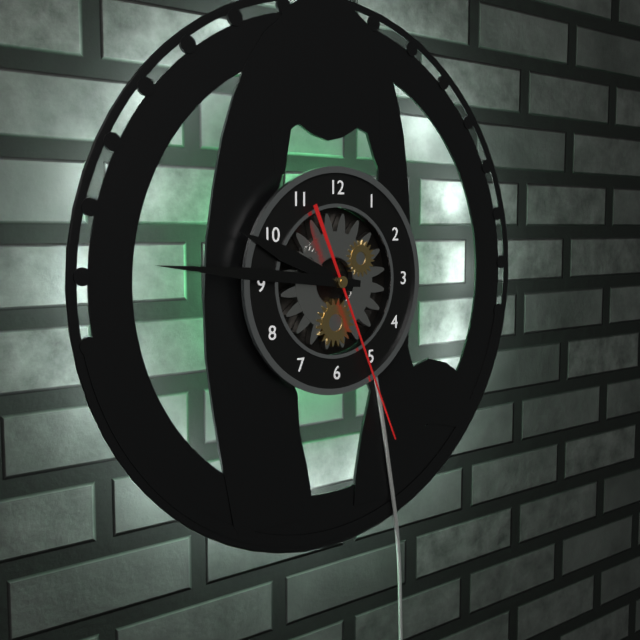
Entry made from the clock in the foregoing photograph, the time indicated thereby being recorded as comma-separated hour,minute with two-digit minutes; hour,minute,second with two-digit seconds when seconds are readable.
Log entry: 9,46,26
